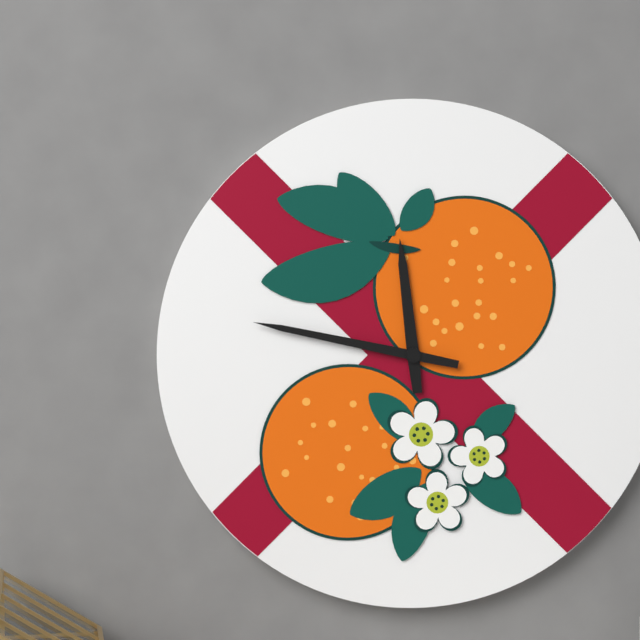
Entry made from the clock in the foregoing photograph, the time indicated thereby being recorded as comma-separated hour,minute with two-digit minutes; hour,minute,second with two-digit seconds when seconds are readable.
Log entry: 11,47
